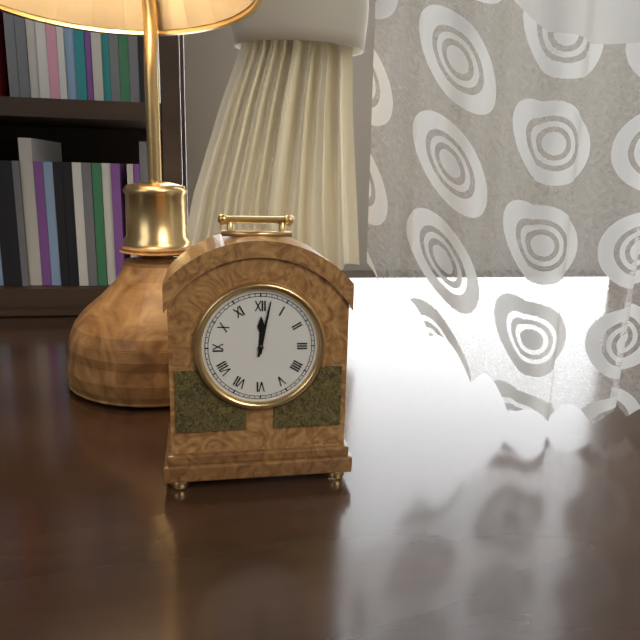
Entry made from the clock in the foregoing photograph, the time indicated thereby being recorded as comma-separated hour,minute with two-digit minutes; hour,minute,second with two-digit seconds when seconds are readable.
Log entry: 12,02
